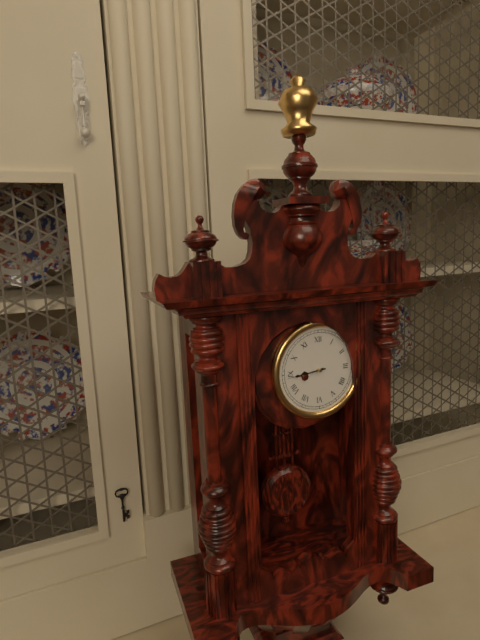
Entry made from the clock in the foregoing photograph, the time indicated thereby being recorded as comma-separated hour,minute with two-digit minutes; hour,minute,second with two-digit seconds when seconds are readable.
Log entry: 8,44
